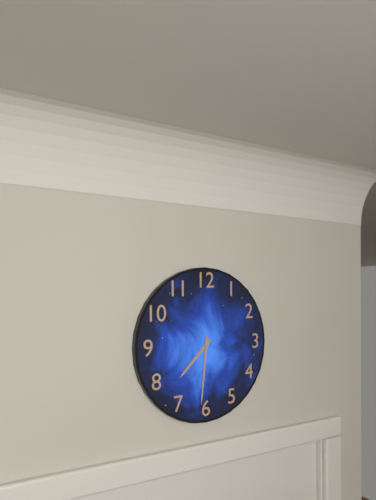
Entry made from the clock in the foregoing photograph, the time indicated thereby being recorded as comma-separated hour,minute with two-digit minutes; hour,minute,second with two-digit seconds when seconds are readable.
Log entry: 7,31
